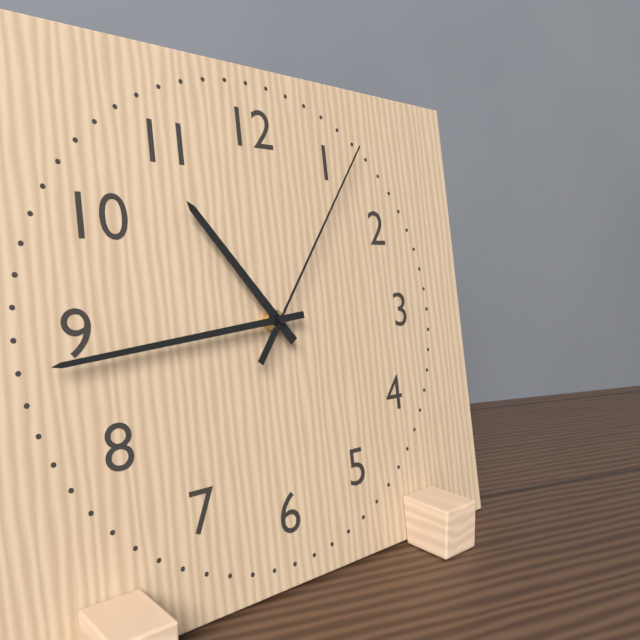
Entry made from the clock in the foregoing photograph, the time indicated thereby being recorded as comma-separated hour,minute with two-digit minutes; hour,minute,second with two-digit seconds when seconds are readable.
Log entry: 10,44,06
